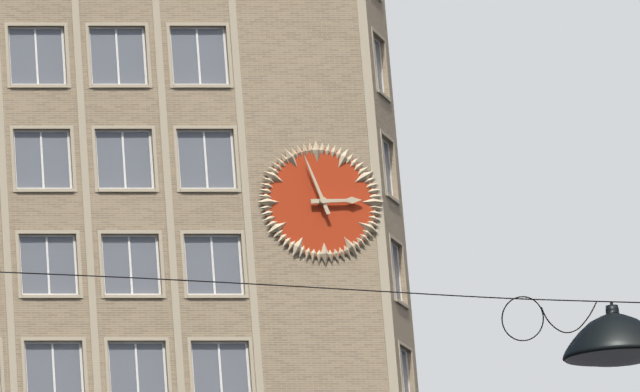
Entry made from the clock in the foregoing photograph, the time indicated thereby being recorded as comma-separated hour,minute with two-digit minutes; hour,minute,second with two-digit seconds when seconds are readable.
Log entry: 2,57
